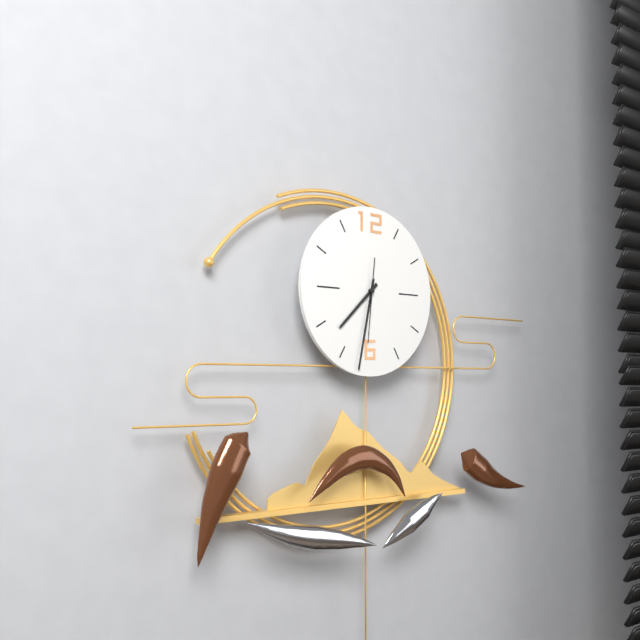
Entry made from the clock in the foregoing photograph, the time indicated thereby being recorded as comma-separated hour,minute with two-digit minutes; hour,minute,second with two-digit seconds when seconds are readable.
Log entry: 7,32,31
